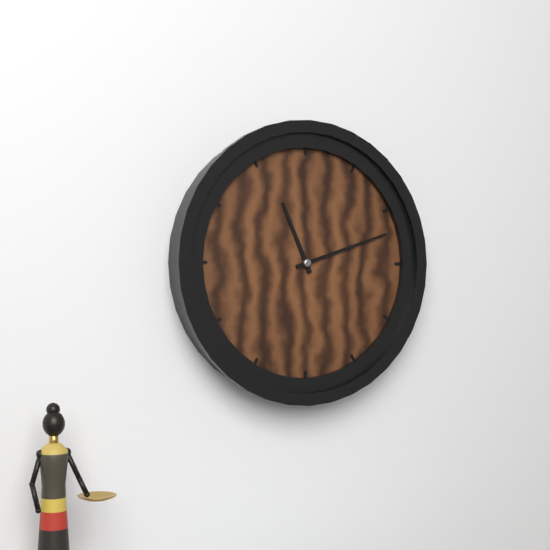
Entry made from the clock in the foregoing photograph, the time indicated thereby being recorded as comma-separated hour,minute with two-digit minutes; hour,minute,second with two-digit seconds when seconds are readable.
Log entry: 11,12
